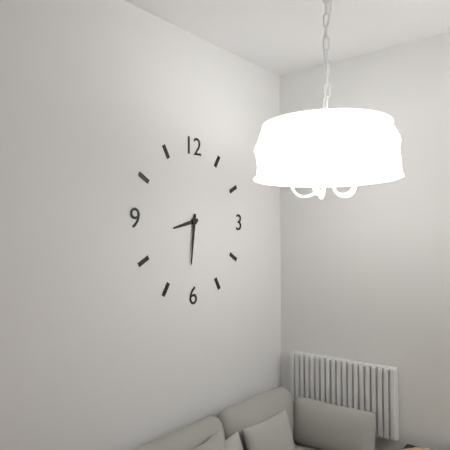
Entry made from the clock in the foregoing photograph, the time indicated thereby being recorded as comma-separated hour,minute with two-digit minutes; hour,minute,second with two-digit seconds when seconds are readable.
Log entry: 8,31
